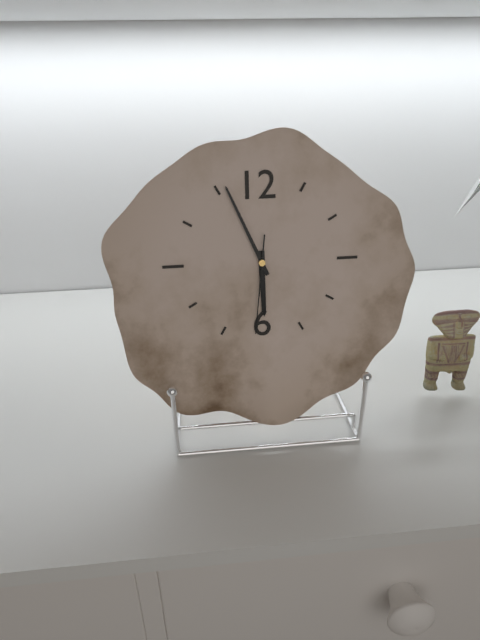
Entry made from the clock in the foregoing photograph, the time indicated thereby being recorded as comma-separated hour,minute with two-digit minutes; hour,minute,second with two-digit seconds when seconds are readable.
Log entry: 5,56,31
